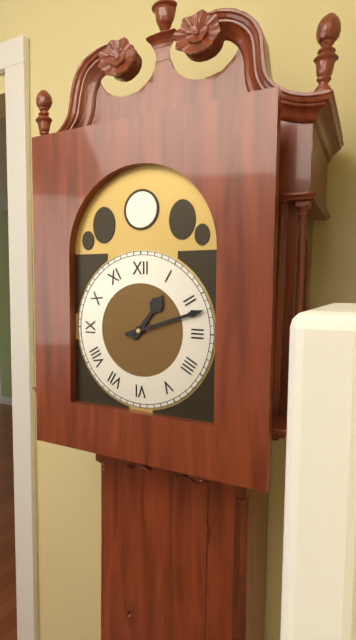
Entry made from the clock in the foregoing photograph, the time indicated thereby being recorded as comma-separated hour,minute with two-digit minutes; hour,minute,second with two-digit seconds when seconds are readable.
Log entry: 1,12
